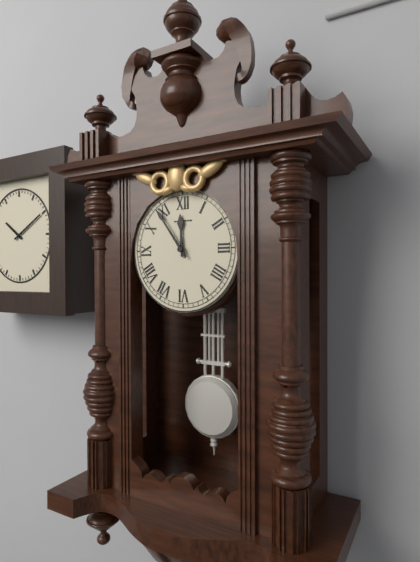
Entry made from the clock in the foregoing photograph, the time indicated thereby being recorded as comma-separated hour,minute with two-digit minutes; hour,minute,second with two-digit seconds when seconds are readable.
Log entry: 11,54
